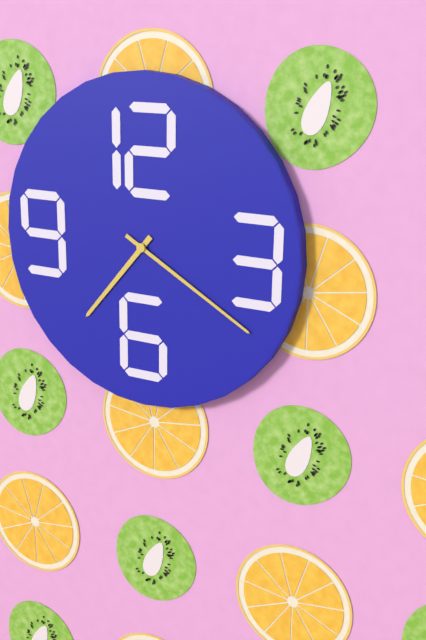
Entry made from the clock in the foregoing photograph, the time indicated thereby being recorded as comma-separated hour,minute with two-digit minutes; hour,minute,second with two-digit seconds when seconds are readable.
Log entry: 7,20
